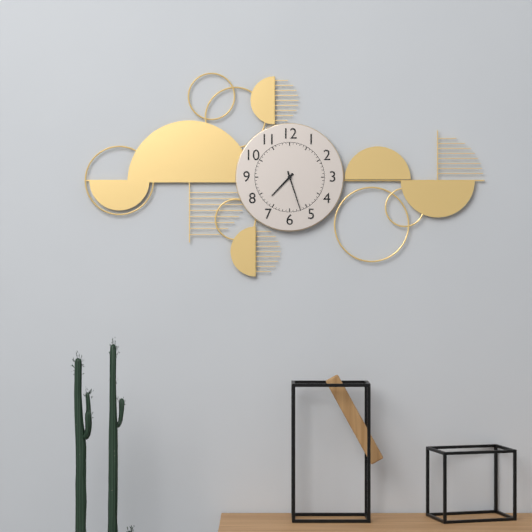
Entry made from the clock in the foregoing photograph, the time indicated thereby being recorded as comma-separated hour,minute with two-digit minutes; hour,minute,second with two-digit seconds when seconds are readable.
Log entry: 7,27
